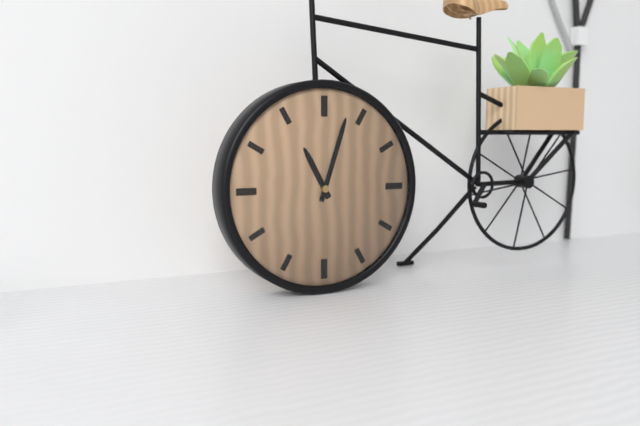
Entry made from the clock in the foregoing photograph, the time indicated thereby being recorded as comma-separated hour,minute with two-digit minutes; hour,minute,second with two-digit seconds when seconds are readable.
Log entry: 11,03
